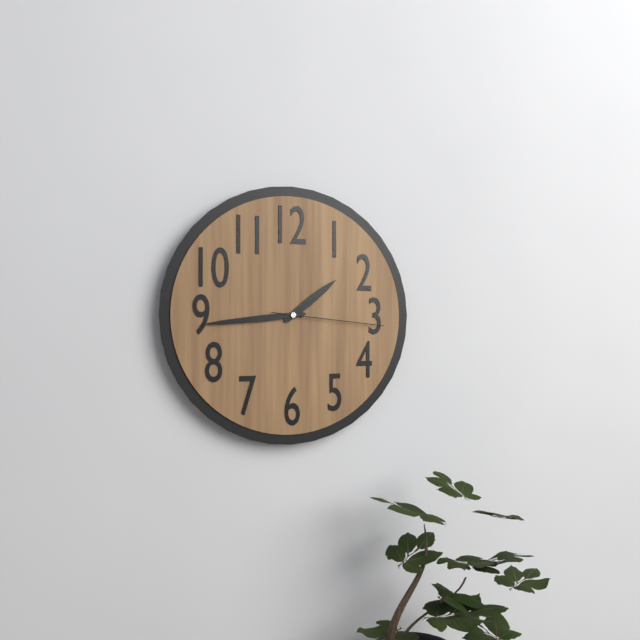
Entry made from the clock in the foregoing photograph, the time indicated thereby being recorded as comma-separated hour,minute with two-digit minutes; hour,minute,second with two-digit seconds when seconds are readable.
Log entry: 1,44,16
